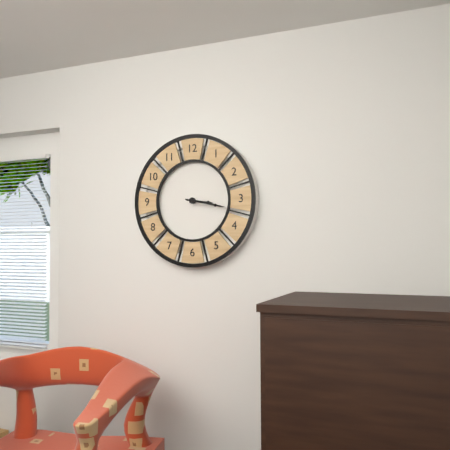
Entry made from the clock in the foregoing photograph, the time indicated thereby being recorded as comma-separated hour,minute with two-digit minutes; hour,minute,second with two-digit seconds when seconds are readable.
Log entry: 3,17
